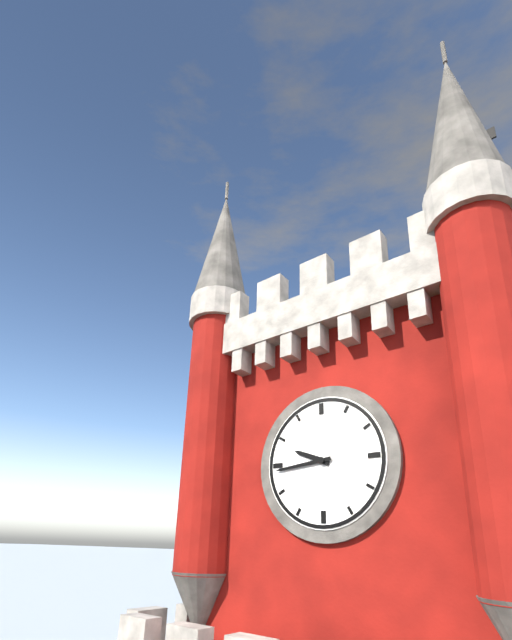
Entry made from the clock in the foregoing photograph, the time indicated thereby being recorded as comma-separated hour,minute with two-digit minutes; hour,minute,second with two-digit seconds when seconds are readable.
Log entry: 9,44
